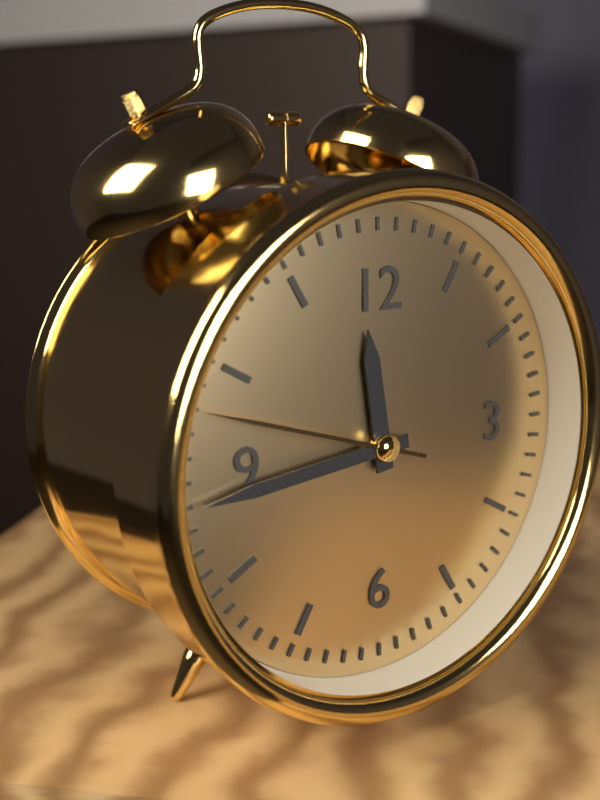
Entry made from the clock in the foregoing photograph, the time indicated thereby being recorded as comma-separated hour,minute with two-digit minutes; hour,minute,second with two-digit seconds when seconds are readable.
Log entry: 11,44,48
